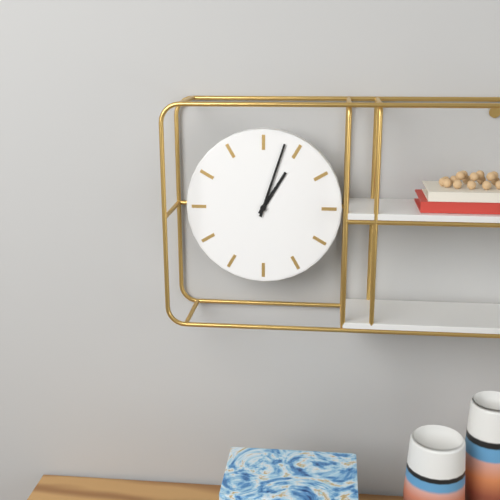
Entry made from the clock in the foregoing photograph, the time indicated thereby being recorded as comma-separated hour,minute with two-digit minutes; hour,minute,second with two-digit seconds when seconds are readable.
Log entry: 1,03
